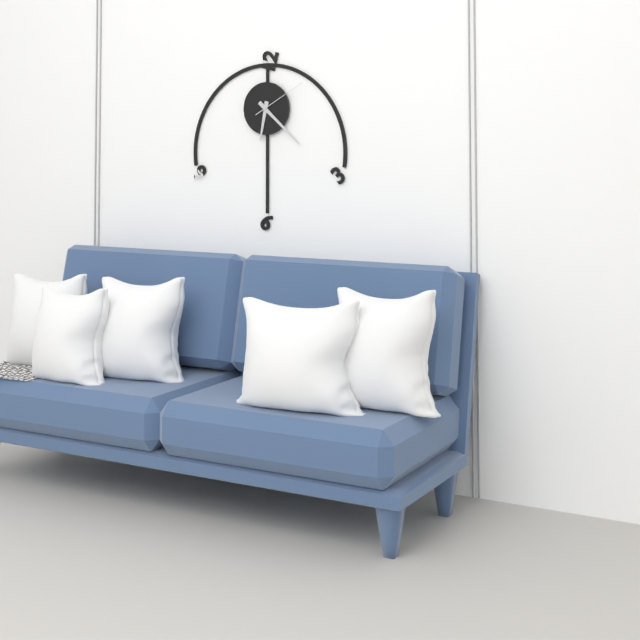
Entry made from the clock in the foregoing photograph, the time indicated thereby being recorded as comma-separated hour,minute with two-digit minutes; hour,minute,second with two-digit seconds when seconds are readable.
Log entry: 6,22,10
